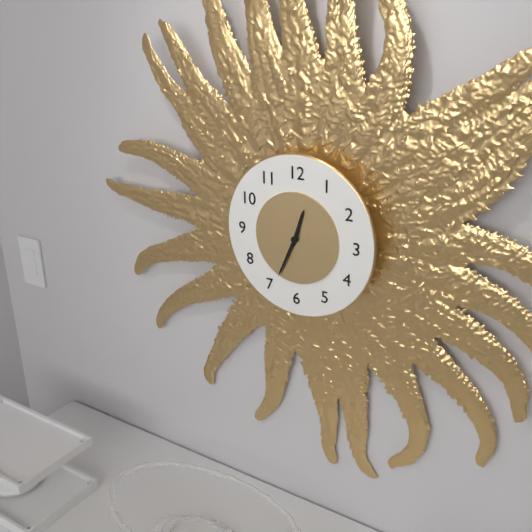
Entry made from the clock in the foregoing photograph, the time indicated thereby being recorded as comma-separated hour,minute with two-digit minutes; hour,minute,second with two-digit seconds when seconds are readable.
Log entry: 12,34
